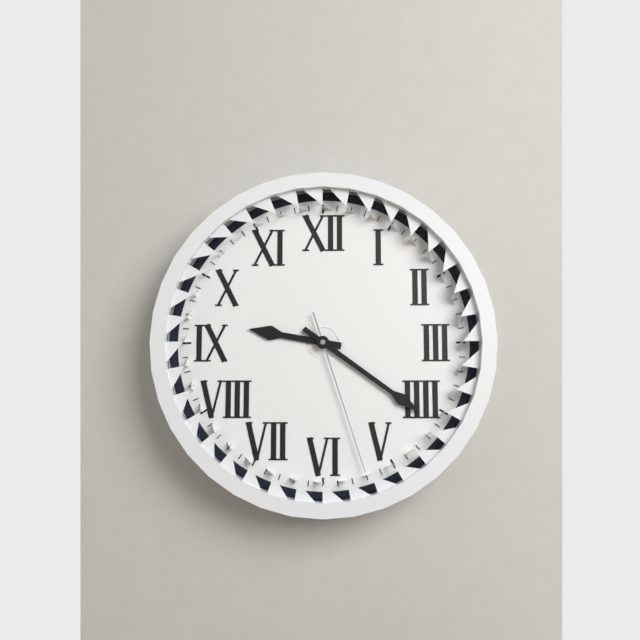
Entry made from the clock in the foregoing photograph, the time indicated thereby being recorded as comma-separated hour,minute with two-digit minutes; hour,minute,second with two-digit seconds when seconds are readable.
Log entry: 9,21,27
